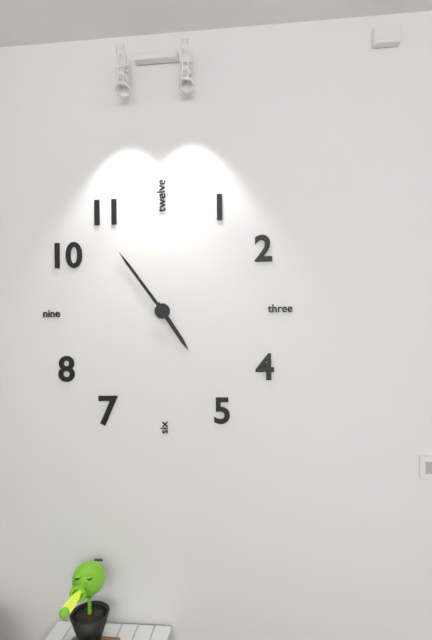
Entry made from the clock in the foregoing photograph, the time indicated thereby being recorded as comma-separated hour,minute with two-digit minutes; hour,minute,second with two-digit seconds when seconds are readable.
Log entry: 4,54
